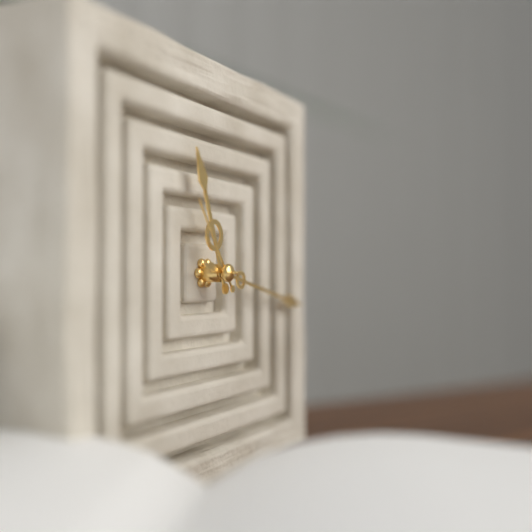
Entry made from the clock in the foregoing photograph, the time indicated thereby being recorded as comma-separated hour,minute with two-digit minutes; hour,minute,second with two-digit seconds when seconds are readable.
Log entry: 11,17,54
